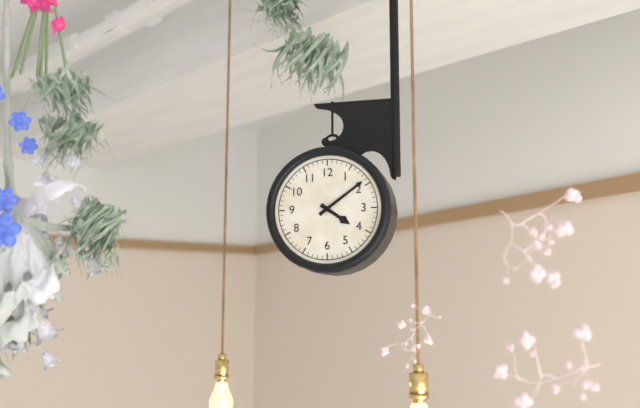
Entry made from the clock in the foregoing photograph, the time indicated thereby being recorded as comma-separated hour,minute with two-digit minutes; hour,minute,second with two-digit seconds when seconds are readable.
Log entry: 4,09
